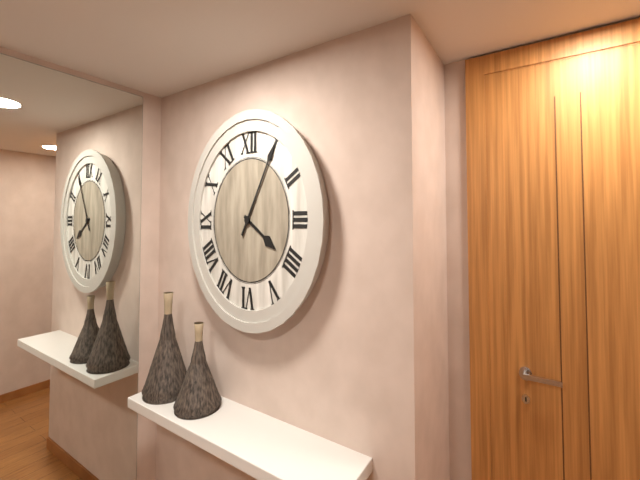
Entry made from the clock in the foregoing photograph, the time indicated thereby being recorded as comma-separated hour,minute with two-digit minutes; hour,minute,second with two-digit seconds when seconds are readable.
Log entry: 4,05
